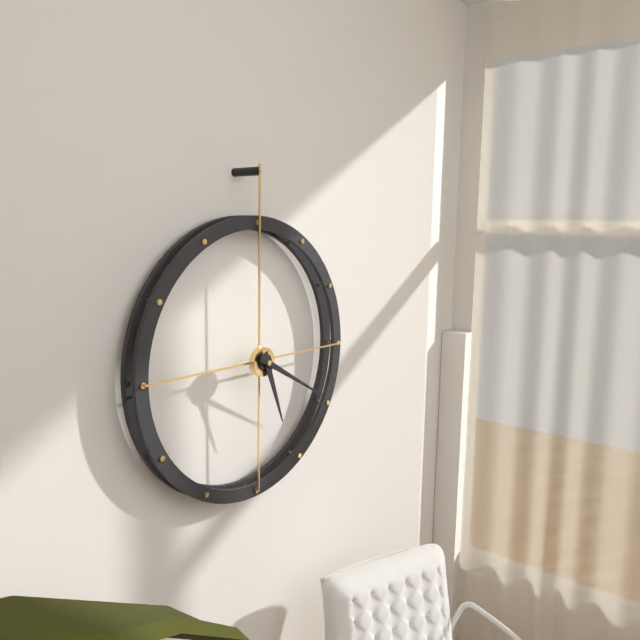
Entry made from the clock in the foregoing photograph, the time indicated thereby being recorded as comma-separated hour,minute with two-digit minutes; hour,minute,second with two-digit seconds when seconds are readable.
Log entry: 5,20
